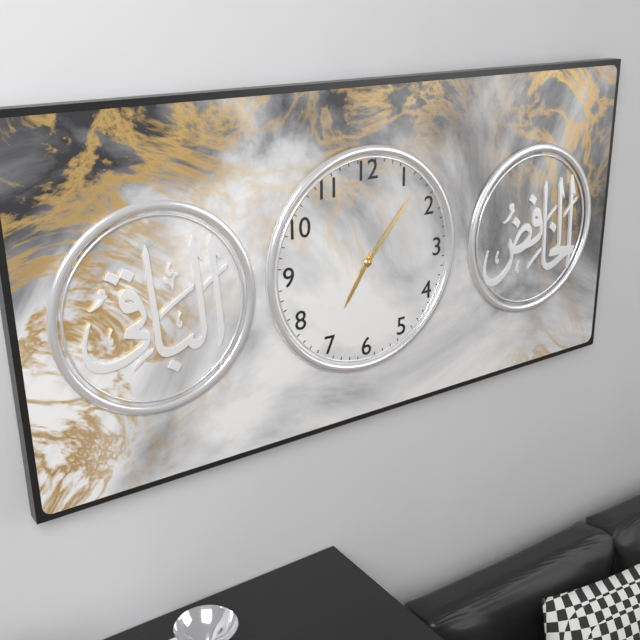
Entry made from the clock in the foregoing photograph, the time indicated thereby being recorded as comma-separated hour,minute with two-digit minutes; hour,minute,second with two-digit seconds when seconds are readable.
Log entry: 7,07
